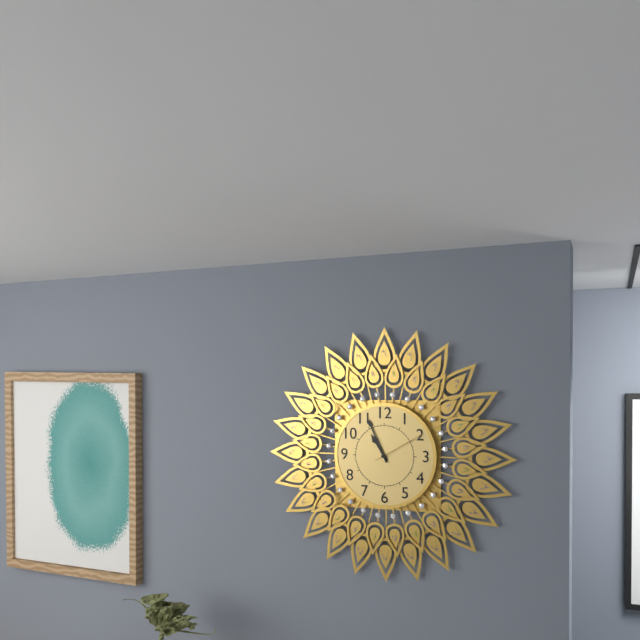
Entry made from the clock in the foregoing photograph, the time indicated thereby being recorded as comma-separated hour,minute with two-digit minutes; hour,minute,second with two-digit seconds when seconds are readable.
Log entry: 10,56,10
